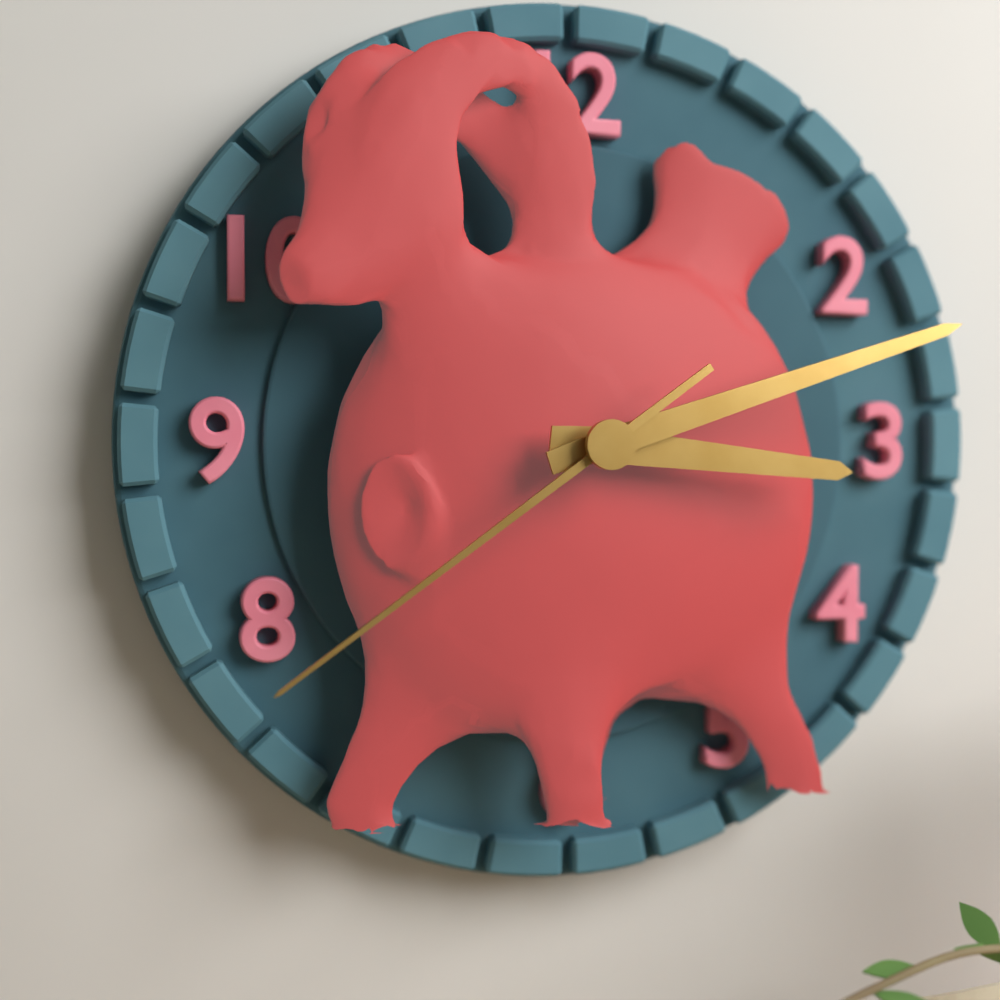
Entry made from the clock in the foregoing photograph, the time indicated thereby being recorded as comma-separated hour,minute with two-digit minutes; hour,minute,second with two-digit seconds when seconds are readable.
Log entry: 3,12,39
